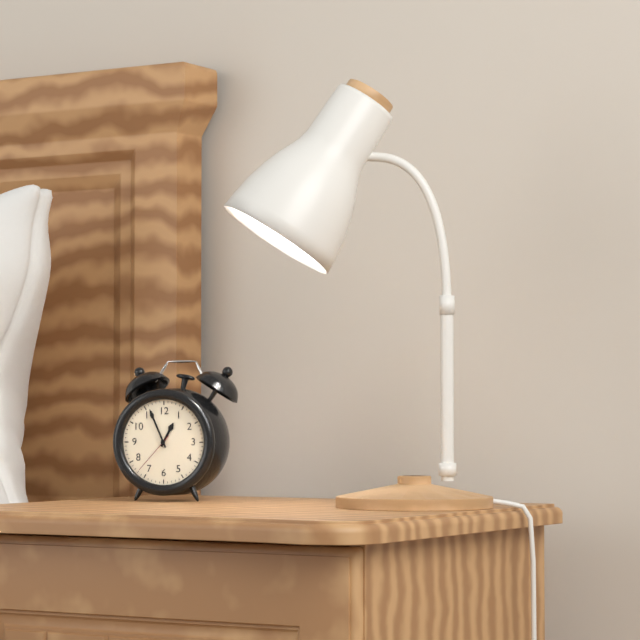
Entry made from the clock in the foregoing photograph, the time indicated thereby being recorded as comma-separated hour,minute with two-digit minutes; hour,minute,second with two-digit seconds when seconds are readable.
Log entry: 12,56
